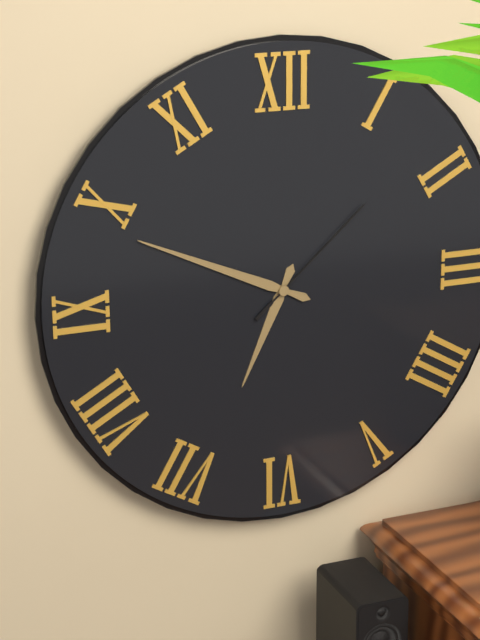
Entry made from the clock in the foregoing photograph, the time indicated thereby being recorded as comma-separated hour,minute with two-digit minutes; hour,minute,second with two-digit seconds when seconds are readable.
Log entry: 6,49,08
